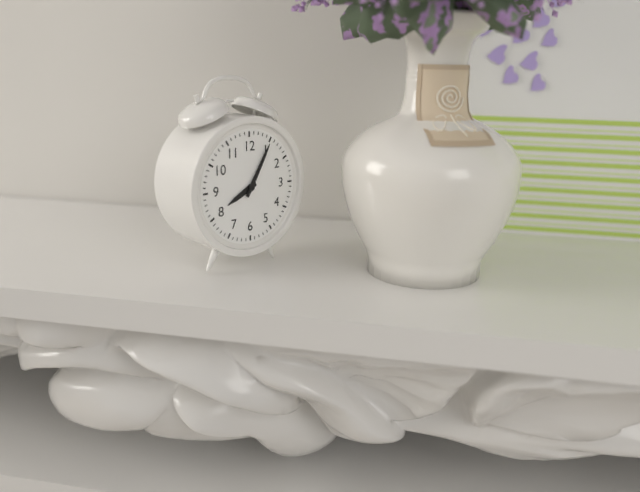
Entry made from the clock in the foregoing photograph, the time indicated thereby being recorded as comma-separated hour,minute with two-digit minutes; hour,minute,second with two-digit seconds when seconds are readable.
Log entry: 8,05
